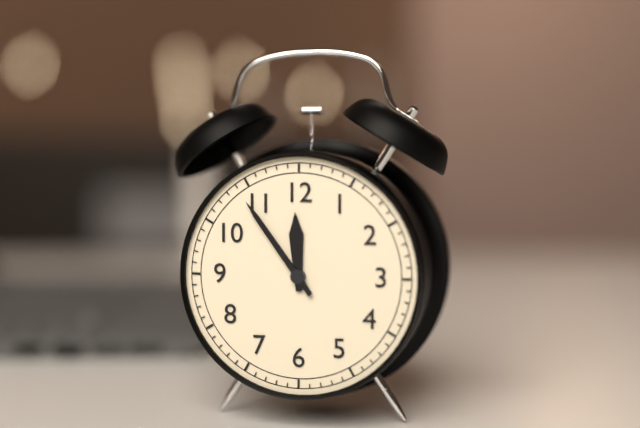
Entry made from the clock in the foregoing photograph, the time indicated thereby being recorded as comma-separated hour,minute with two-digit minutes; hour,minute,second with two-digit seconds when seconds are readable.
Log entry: 11,54
